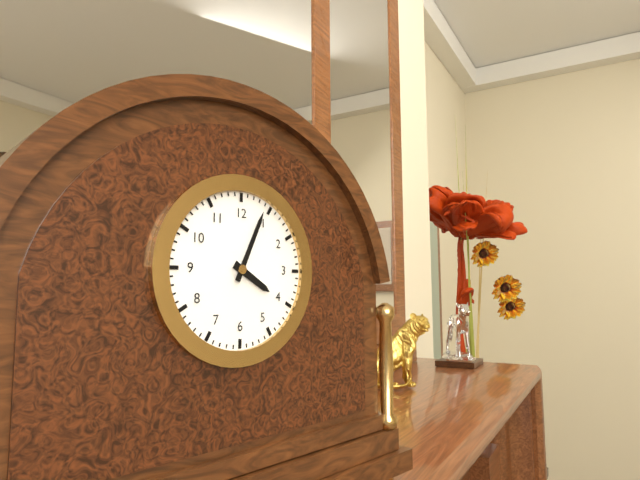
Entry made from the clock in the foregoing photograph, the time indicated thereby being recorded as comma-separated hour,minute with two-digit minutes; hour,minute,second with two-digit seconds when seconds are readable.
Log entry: 4,04
